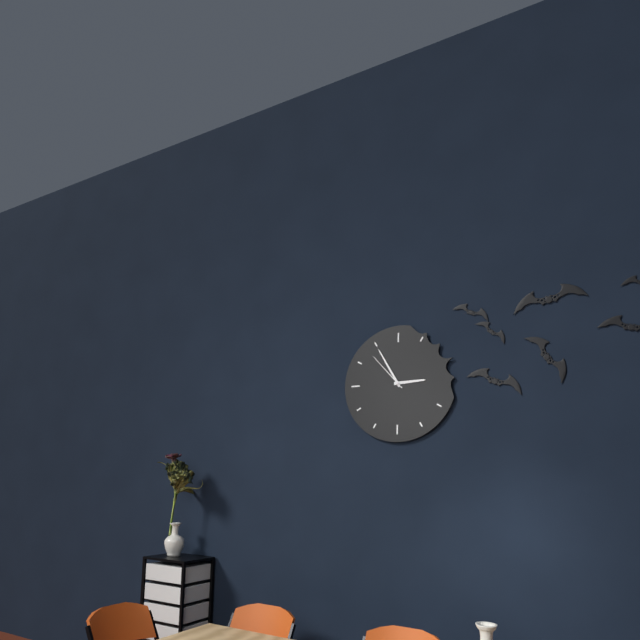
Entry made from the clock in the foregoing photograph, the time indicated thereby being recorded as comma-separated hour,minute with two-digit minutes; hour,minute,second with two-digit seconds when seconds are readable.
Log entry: 2,55
